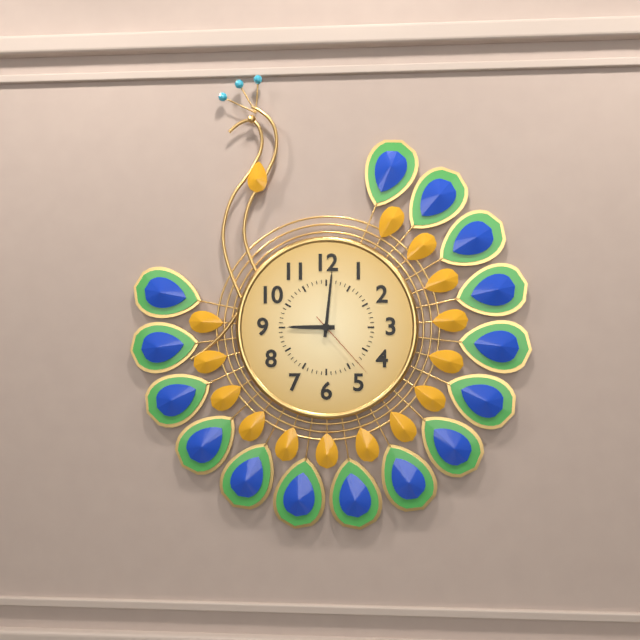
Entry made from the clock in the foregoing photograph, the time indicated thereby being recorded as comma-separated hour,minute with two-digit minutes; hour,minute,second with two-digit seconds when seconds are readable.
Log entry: 9,01,23
